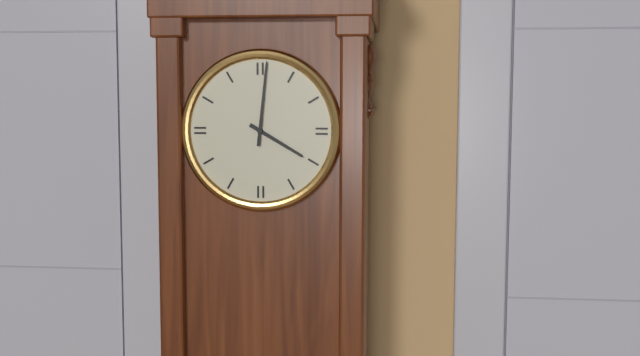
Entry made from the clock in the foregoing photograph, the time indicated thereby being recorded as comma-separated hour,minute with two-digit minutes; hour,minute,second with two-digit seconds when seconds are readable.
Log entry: 4,01
